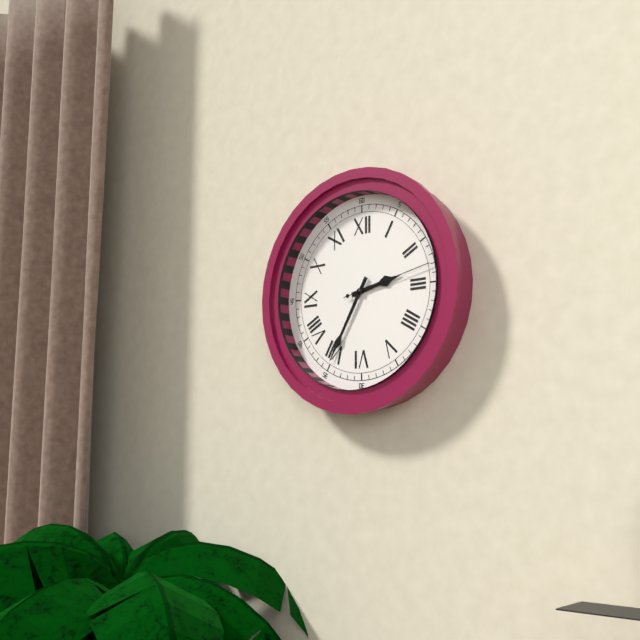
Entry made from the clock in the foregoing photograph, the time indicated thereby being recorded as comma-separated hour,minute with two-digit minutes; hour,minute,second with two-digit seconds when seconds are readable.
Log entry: 2,35,13
